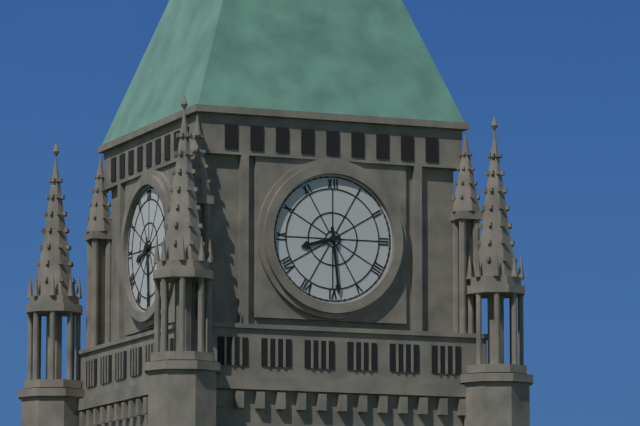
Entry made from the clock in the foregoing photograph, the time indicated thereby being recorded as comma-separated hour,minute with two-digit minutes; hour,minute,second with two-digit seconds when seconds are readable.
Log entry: 8,29
